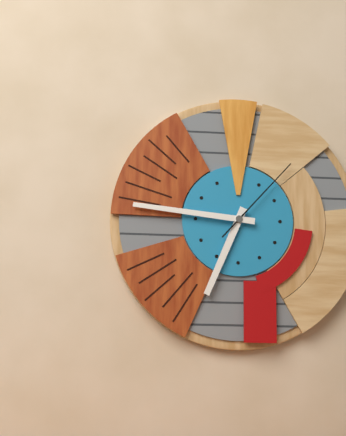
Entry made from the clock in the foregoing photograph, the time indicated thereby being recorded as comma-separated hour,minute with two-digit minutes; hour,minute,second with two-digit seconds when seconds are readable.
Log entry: 6,46,07
